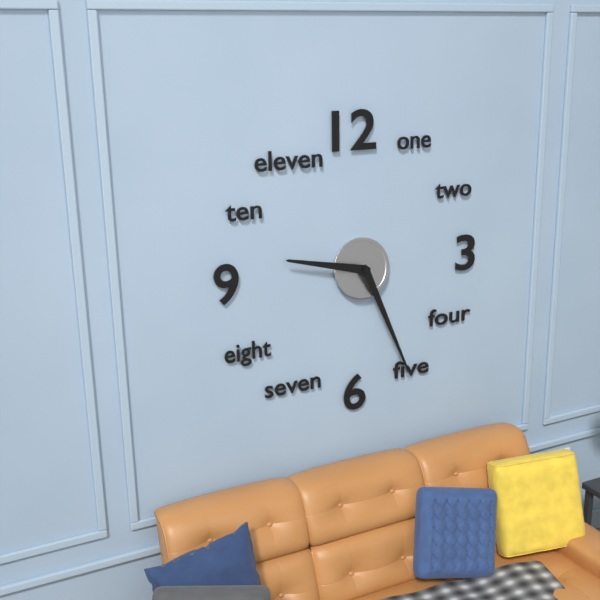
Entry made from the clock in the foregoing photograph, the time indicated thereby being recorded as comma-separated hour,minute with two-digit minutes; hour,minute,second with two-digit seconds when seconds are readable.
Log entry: 9,26
